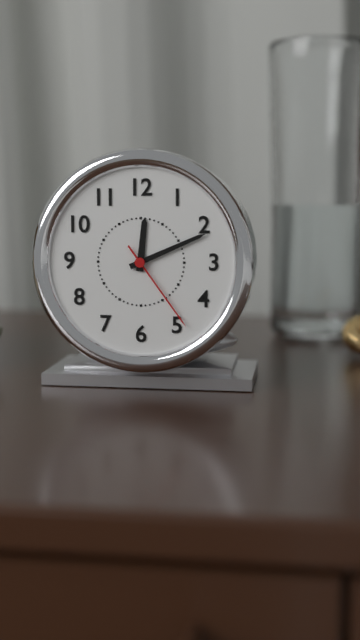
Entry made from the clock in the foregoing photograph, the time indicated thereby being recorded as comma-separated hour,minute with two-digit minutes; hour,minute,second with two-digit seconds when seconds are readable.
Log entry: 12,11,24
